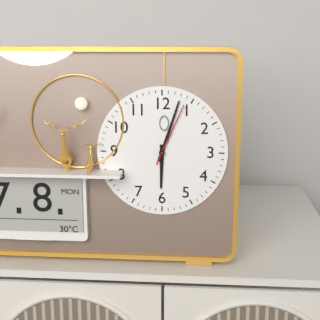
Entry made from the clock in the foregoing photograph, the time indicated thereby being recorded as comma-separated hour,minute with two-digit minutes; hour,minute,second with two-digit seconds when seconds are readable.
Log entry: 6,03,04
